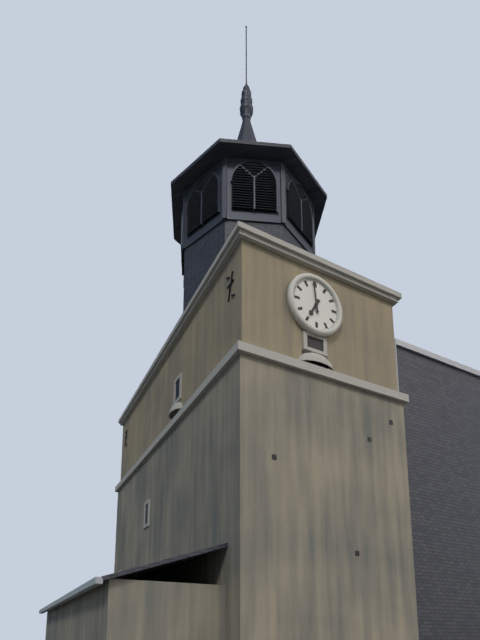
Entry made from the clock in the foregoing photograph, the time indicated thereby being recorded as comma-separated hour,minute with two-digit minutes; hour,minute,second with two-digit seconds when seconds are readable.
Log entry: 6,59
